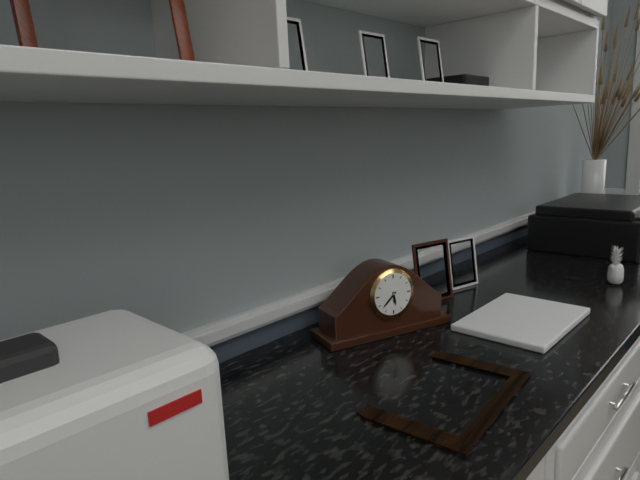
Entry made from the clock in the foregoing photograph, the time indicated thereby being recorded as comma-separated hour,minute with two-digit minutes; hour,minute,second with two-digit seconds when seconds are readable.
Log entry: 5,38
